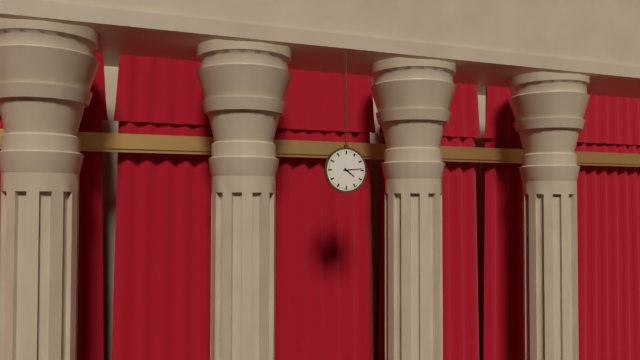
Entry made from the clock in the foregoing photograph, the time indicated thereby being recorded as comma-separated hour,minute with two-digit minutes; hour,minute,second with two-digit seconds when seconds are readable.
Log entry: 4,14
